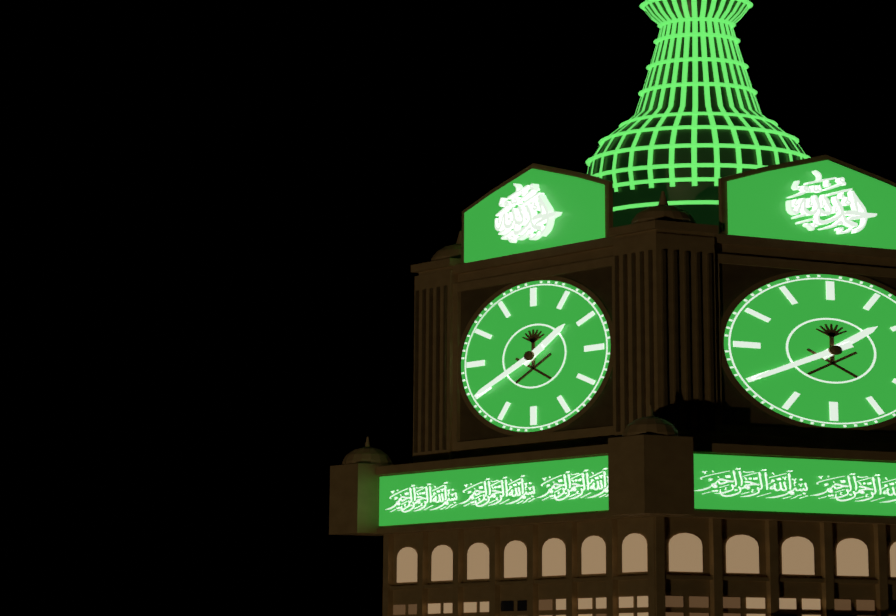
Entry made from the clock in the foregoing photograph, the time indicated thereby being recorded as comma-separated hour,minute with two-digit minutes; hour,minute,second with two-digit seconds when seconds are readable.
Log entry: 1,40
